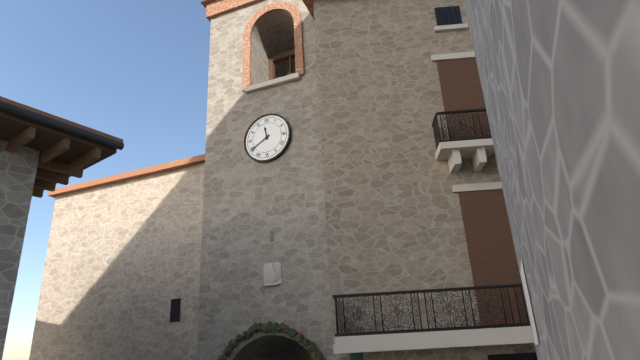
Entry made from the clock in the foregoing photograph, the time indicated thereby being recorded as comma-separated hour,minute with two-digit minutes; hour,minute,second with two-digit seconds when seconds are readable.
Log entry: 11,40
